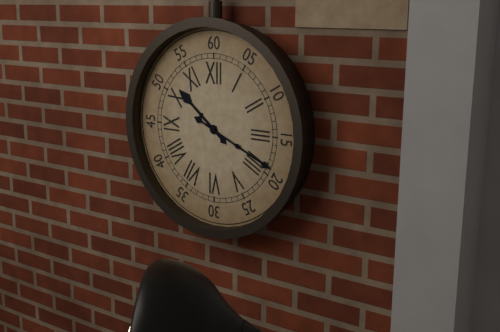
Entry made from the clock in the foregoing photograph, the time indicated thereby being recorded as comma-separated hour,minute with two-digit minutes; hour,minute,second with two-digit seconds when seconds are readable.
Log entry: 10,19
